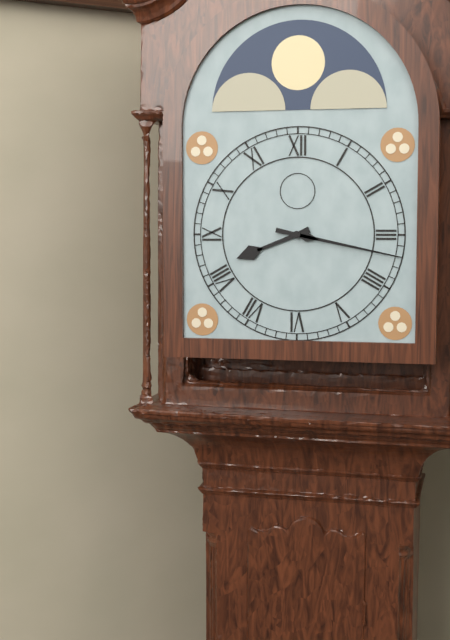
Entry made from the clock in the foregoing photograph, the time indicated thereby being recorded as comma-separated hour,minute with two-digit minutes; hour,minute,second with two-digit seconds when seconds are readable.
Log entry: 8,17
